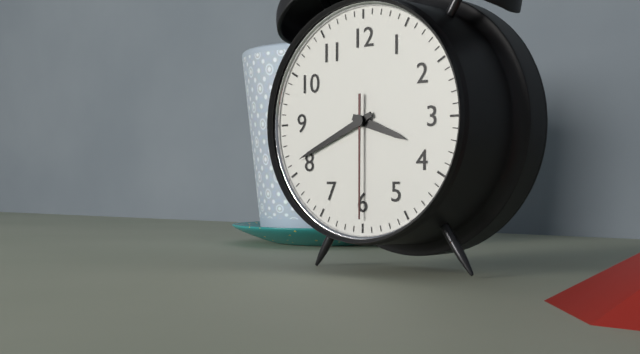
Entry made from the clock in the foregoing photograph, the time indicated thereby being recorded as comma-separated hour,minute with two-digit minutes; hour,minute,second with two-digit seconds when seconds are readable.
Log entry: 3,41,30
